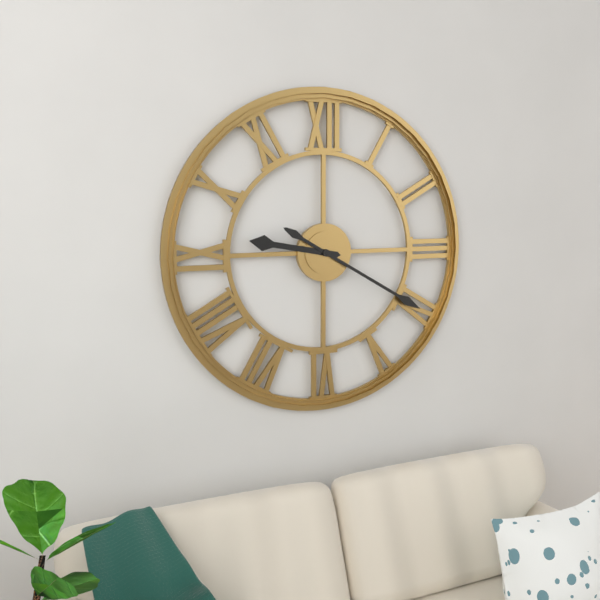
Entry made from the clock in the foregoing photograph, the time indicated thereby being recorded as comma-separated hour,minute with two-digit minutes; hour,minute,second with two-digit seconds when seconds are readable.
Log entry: 9,20
